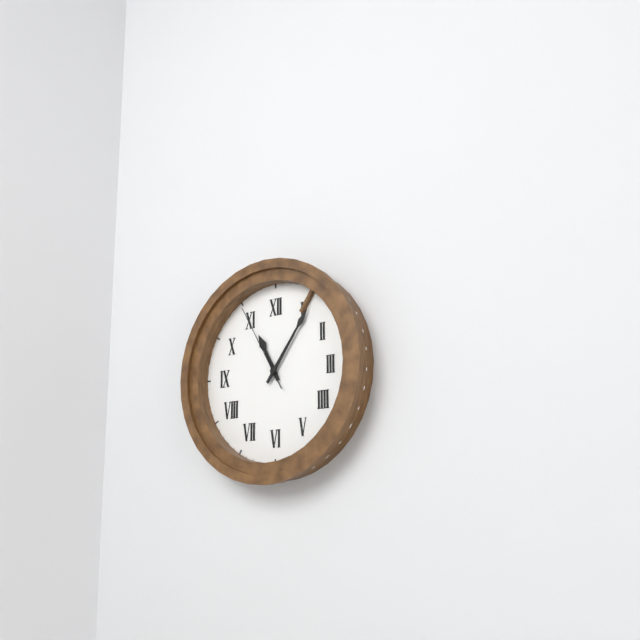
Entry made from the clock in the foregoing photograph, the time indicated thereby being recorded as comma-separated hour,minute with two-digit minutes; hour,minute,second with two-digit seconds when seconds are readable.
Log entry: 11,06,55
